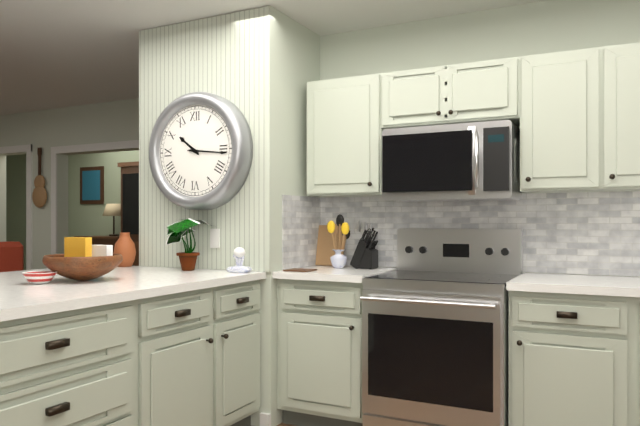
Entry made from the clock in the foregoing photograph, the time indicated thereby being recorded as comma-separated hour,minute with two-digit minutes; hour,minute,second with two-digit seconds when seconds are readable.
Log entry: 10,16
